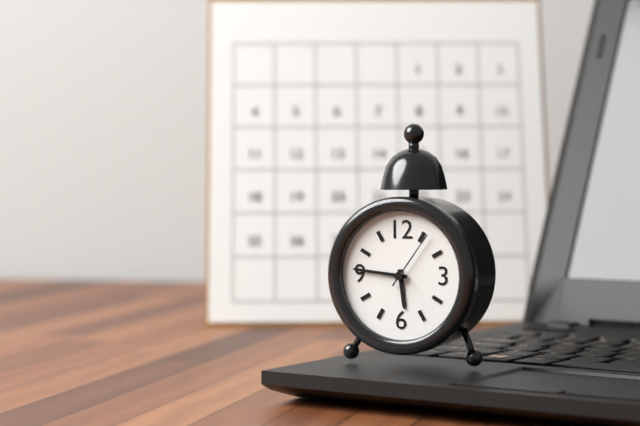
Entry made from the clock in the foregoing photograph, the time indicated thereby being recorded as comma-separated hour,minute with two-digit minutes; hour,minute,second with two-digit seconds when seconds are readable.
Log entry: 5,46,06
